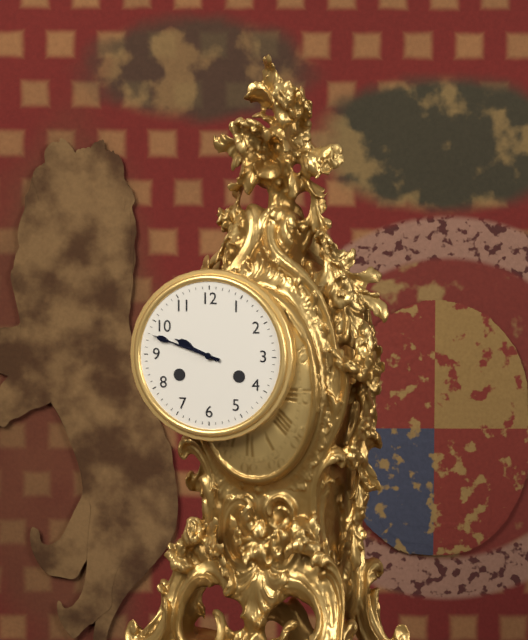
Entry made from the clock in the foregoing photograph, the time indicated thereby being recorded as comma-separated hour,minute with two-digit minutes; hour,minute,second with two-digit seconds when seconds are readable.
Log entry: 9,48
